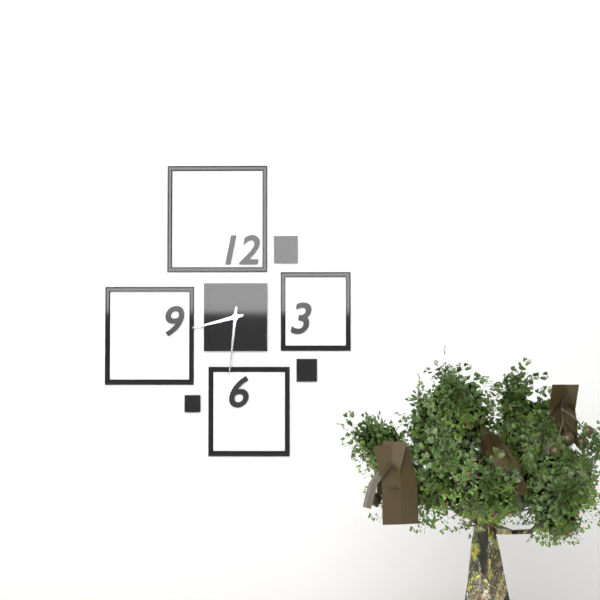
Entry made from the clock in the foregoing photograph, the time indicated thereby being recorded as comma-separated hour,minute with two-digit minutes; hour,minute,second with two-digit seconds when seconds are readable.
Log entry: 8,31
